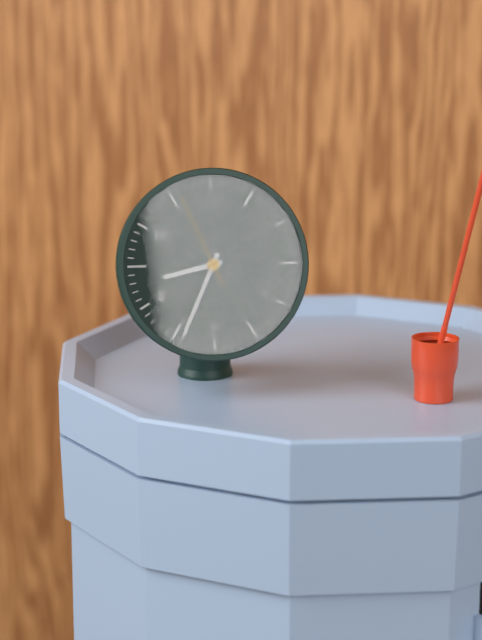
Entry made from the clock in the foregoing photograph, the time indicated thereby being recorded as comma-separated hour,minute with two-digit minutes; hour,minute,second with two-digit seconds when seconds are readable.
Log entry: 8,34,56
